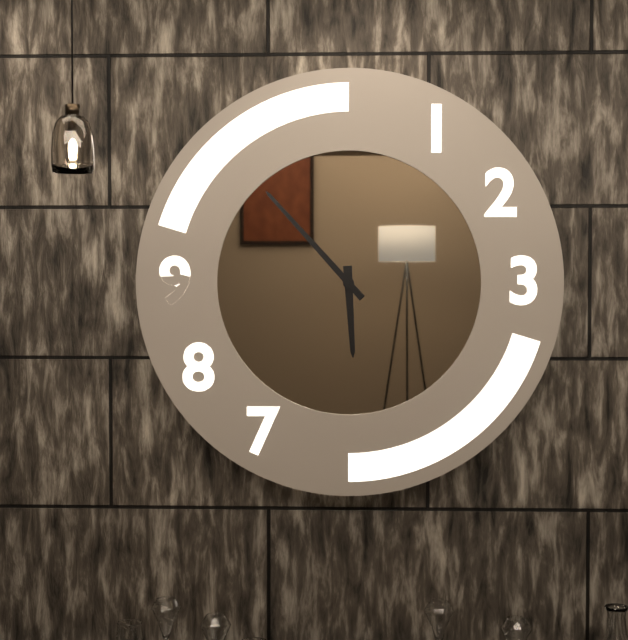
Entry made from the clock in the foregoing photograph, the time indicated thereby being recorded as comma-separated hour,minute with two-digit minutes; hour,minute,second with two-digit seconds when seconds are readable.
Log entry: 5,53
